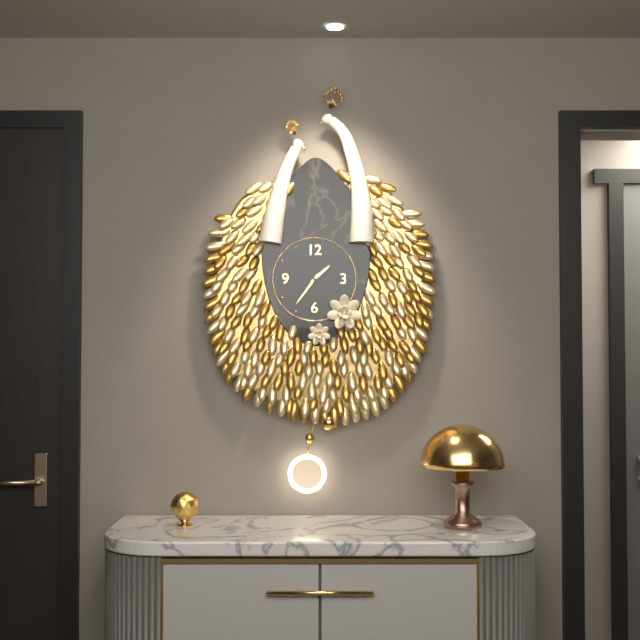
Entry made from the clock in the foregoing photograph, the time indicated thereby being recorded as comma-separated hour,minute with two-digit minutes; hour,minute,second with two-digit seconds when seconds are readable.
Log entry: 1,36
